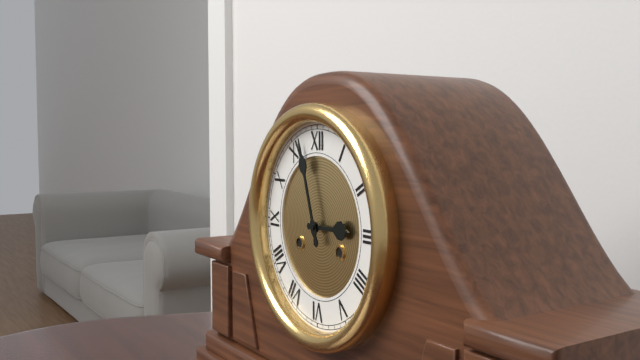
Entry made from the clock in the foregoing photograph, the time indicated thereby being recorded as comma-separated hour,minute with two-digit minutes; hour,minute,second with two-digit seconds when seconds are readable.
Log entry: 2,57
